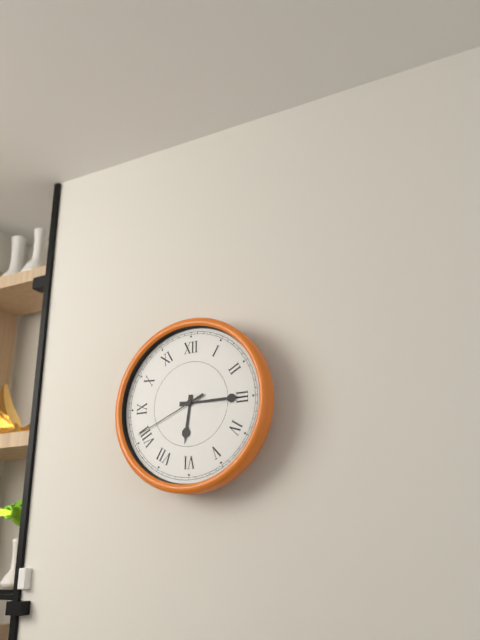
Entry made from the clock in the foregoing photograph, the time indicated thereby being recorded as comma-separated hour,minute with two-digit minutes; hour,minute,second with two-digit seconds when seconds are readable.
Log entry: 6,15,41
